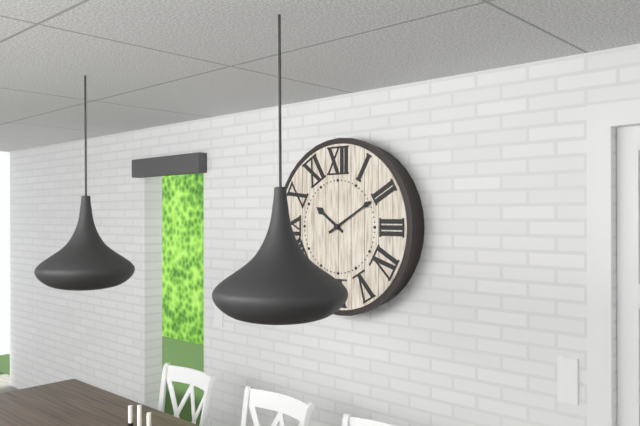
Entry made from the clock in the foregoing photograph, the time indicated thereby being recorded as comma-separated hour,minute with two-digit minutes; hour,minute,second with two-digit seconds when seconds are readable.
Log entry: 10,10
